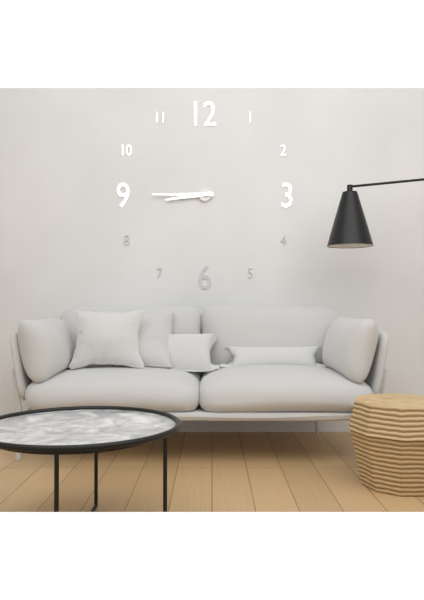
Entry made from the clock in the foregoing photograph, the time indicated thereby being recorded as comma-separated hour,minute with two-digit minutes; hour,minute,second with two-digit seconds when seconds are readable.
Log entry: 8,45
